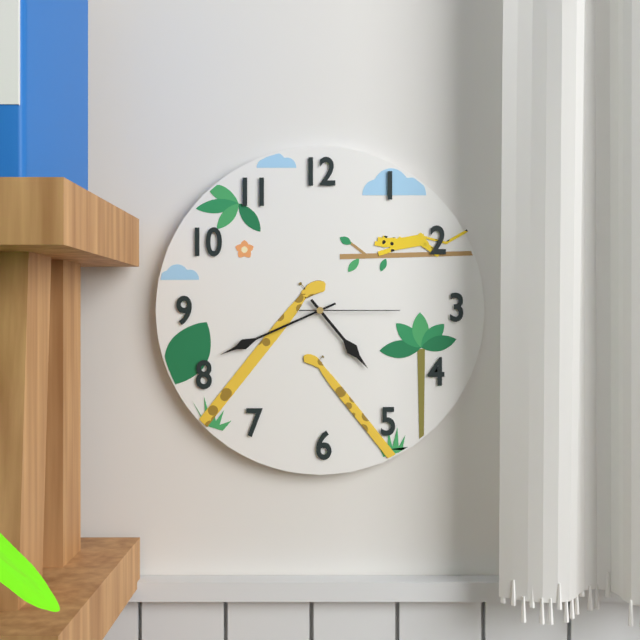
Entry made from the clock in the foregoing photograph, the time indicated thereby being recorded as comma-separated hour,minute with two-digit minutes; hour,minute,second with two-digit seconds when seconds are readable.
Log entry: 4,41,15
